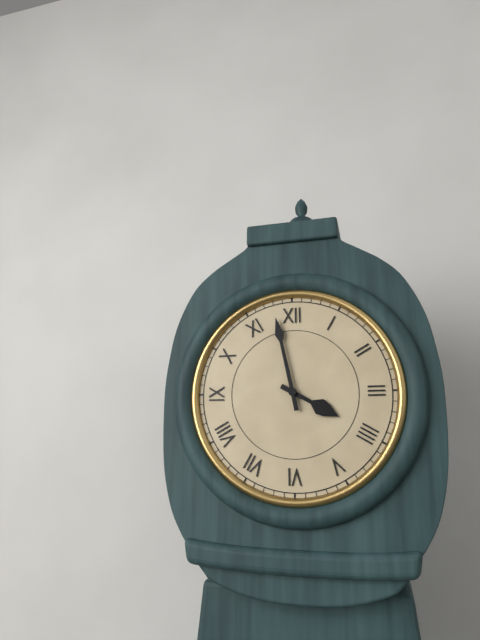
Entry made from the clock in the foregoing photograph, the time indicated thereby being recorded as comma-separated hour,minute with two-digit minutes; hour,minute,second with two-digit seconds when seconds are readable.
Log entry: 3,58
